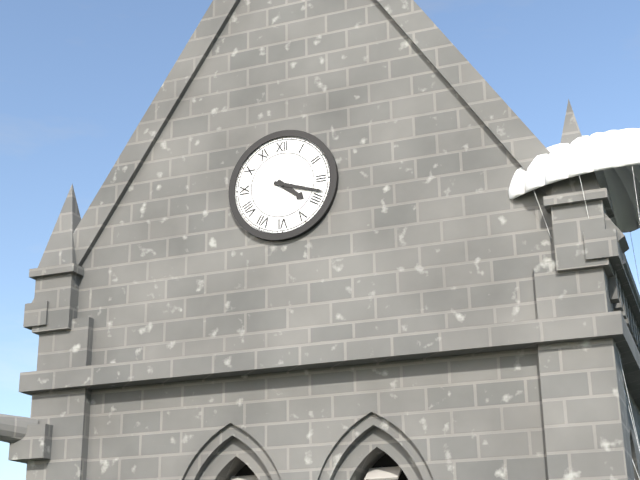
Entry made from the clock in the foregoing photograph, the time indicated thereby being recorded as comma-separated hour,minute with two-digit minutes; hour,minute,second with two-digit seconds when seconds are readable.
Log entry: 4,18
